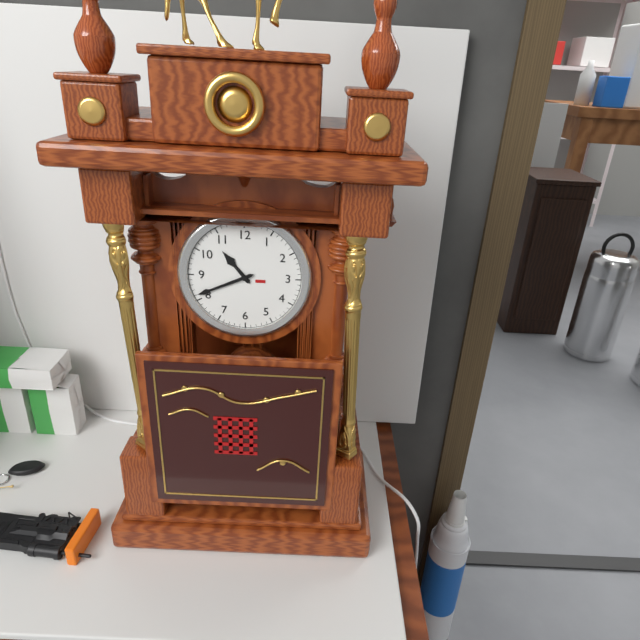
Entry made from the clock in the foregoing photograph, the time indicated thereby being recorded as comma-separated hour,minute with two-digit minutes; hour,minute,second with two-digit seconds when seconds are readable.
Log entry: 10,41
